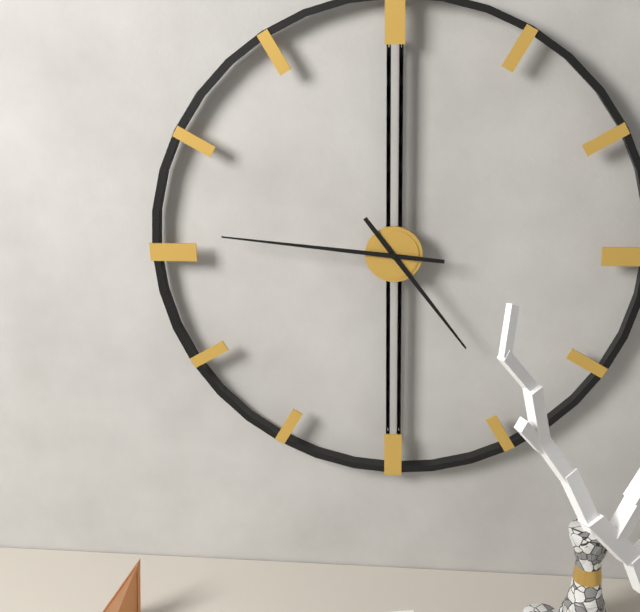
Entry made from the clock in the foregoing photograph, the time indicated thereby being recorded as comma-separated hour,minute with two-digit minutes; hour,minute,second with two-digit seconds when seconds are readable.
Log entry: 4,46
